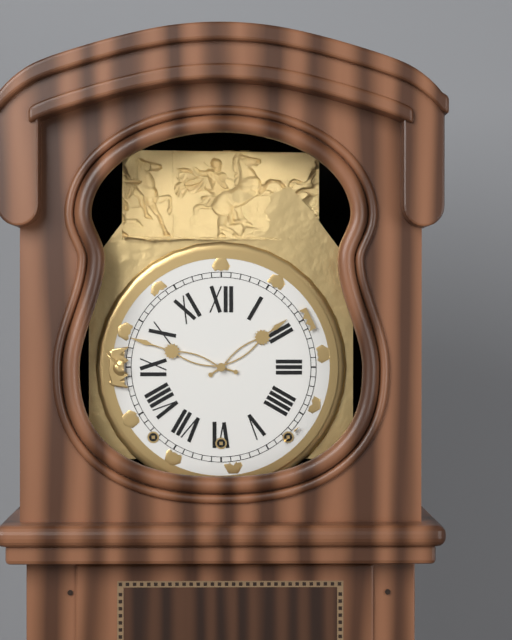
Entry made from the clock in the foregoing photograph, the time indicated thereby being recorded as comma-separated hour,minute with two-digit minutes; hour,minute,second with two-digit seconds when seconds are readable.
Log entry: 1,48
